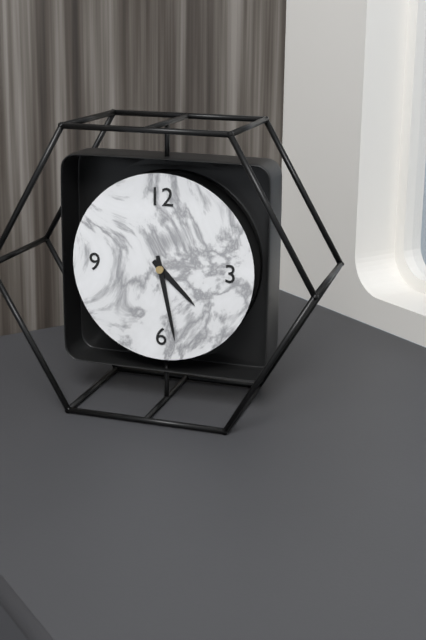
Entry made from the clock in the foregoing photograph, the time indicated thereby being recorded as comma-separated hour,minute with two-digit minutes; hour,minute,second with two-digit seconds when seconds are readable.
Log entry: 4,28
